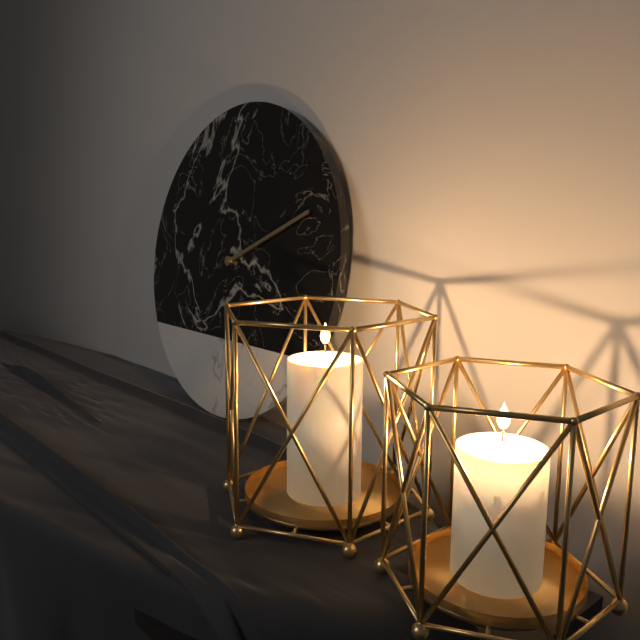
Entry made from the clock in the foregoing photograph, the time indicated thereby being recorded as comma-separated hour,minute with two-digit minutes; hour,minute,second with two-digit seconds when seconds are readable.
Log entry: 2,11
